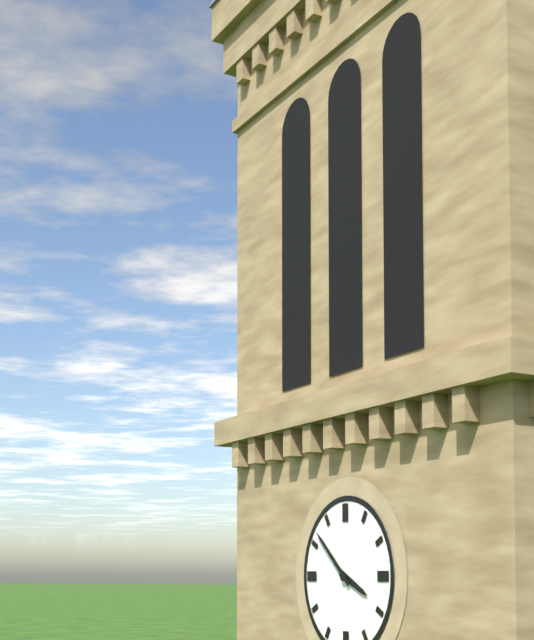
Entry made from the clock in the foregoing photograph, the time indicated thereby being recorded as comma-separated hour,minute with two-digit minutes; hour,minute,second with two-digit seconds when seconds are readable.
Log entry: 3,52
